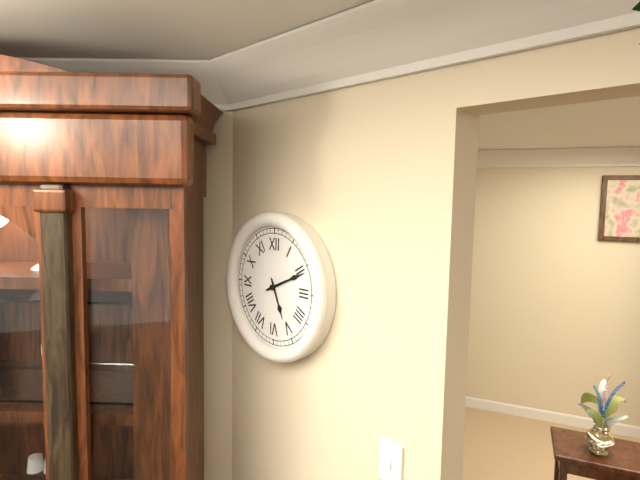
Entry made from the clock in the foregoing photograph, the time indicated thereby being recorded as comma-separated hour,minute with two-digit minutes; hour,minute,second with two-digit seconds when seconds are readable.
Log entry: 5,11
